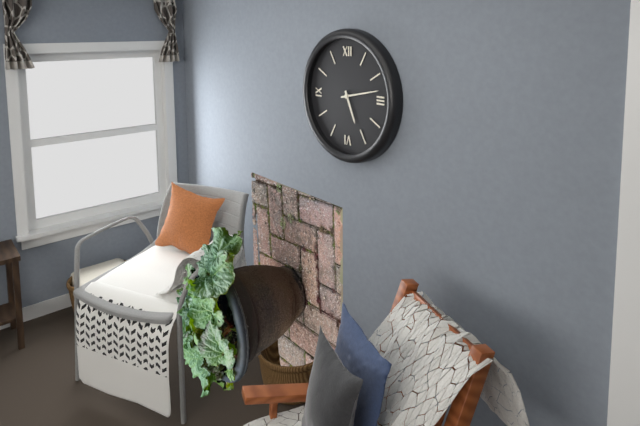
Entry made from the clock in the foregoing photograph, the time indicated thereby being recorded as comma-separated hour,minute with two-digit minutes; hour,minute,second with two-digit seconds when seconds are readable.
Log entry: 5,13
